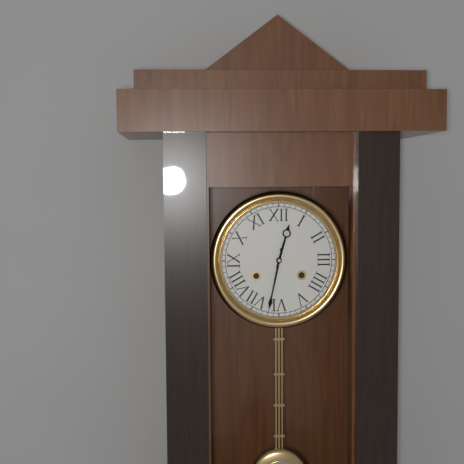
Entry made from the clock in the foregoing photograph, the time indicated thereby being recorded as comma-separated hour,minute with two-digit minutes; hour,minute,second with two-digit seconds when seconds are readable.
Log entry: 12,32
